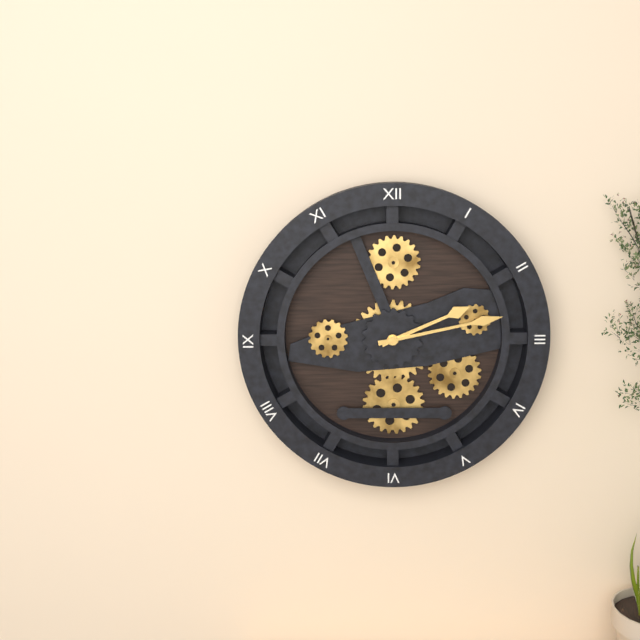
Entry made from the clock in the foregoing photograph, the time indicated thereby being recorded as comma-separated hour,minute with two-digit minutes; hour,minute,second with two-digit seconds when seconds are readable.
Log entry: 2,13
